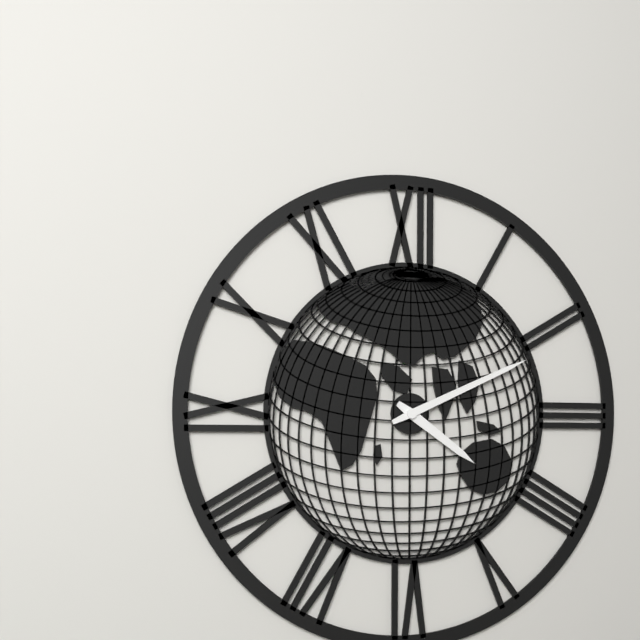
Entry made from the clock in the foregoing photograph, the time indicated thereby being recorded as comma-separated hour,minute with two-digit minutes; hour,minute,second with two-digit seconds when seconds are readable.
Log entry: 4,11
